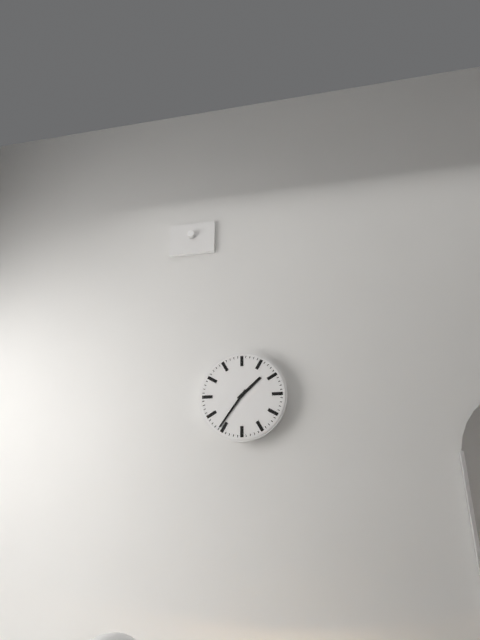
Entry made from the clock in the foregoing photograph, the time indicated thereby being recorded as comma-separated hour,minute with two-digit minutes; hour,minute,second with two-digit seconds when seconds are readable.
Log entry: 1,36
